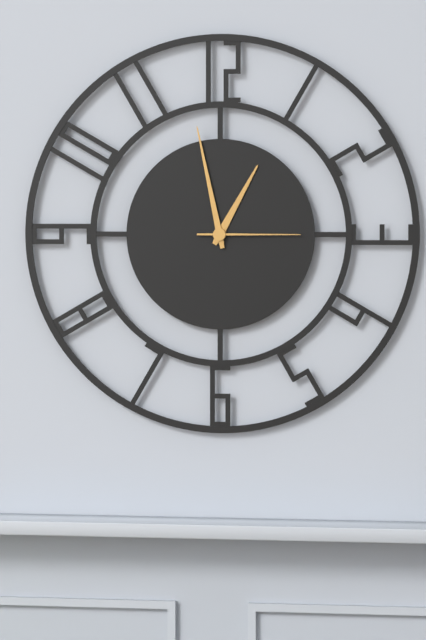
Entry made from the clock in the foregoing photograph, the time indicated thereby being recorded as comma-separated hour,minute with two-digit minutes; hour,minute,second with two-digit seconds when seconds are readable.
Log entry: 12,58,15
